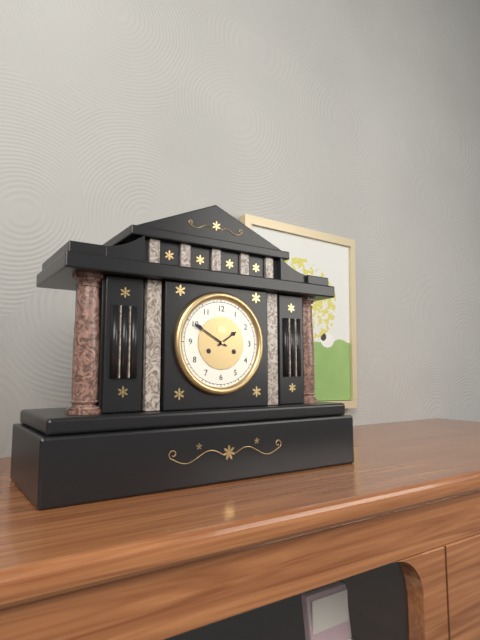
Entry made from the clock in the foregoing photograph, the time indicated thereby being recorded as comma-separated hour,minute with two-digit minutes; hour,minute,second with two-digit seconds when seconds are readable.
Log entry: 1,50
